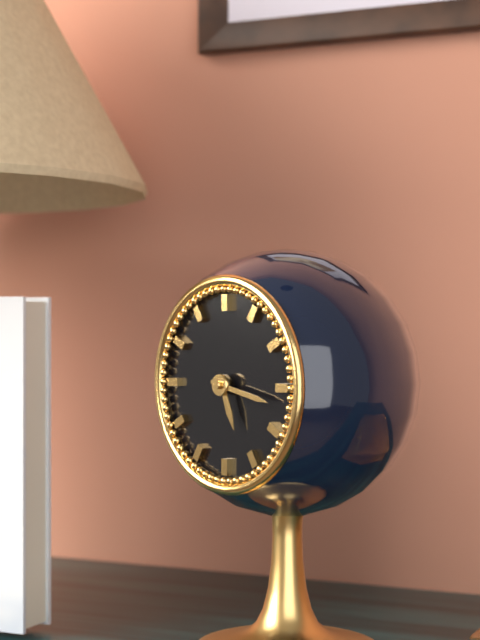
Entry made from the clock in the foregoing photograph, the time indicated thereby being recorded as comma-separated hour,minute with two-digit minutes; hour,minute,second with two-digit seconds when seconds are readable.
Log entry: 5,17
